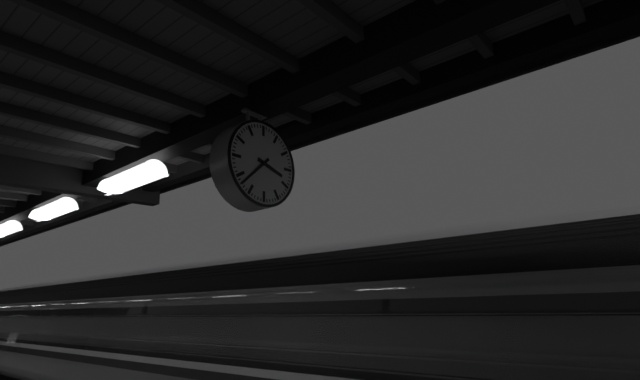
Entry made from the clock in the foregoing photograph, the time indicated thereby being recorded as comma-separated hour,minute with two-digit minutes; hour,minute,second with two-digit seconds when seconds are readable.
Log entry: 3,38
